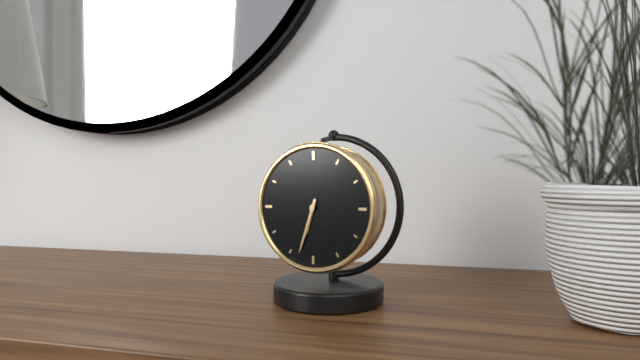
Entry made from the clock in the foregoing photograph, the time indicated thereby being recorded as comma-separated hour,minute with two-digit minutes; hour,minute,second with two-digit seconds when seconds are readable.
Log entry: 6,33
